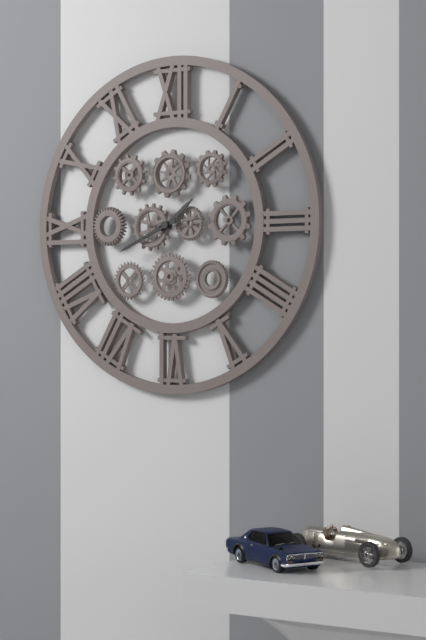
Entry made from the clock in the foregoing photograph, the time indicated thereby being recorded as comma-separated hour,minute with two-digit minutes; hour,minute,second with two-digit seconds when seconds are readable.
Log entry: 1,41
